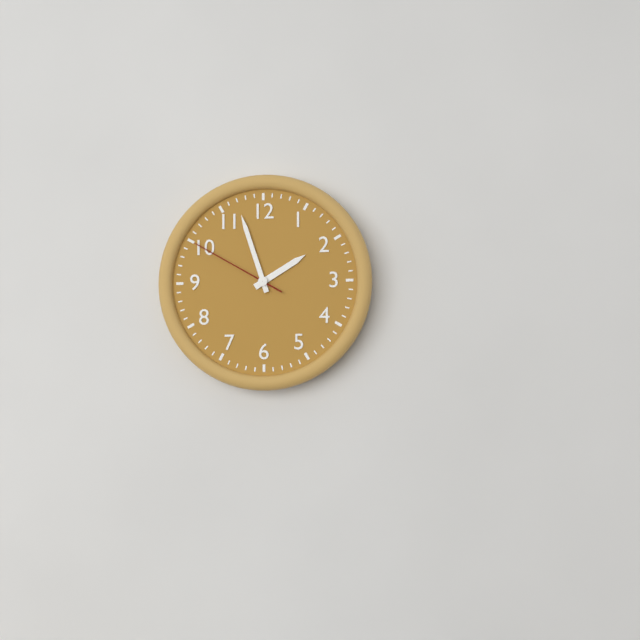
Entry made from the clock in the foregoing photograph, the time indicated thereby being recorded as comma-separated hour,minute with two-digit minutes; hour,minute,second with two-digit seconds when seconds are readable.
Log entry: 1,57,50
